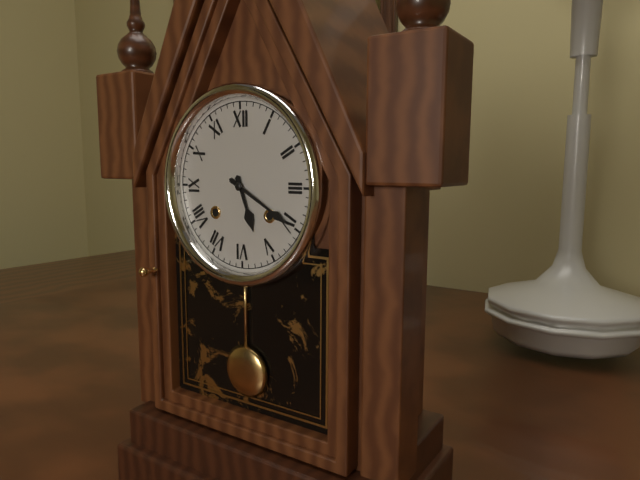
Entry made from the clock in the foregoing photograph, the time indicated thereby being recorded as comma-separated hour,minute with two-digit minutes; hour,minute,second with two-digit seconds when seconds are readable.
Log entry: 5,20
